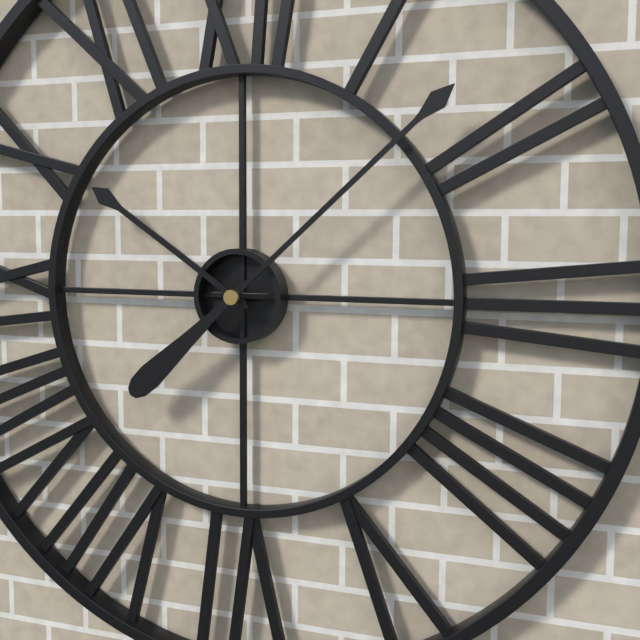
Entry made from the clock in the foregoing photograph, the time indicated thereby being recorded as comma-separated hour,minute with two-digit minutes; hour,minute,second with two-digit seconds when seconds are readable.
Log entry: 10,08
